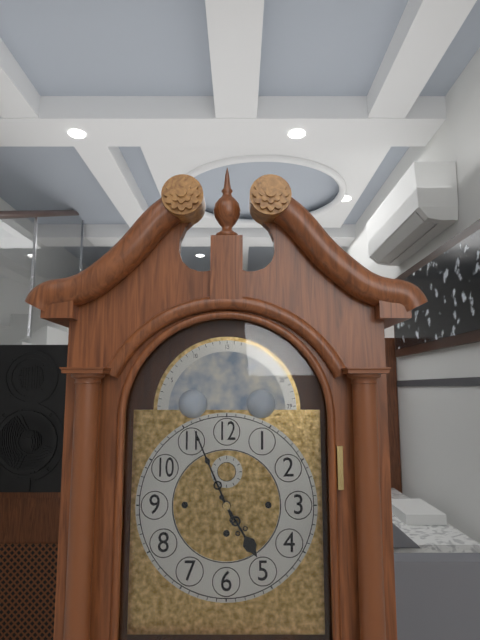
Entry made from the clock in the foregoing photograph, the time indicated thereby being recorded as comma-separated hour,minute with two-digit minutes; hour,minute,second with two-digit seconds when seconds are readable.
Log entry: 4,56
